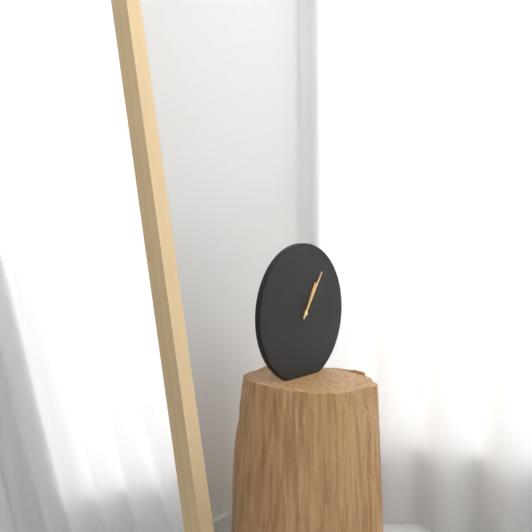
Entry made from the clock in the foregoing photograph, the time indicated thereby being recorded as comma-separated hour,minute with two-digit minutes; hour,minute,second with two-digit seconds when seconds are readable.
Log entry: 1,06
